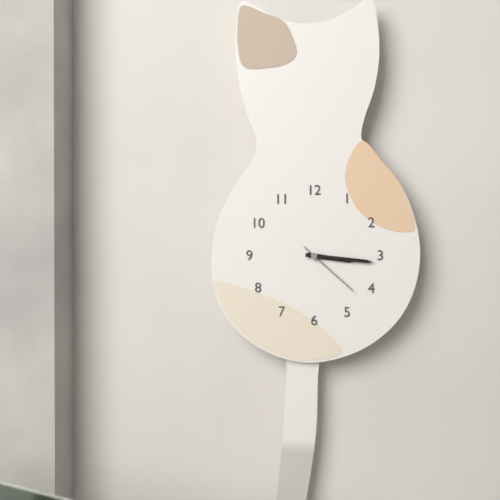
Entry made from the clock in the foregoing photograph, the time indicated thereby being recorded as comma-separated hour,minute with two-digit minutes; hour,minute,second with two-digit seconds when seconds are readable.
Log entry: 3,16,22
